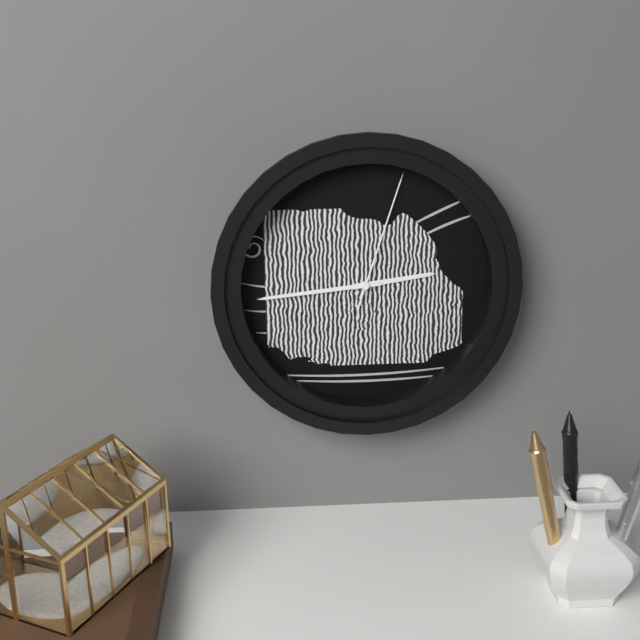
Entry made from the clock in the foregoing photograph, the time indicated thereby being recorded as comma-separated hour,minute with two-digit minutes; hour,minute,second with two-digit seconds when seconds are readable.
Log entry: 2,44,03
